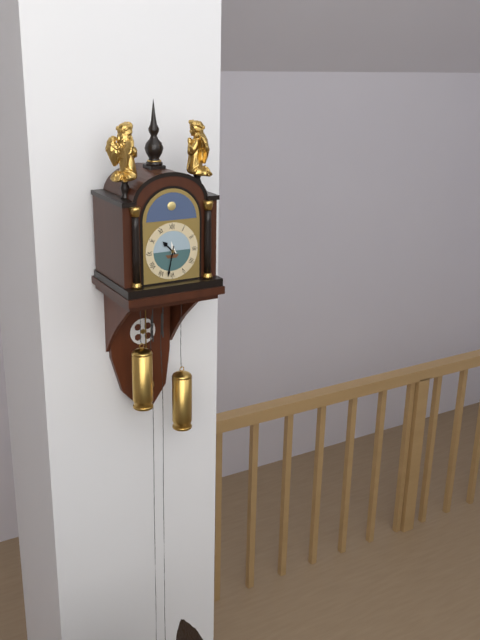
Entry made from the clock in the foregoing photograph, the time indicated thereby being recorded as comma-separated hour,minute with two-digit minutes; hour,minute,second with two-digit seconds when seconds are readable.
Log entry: 10,32
